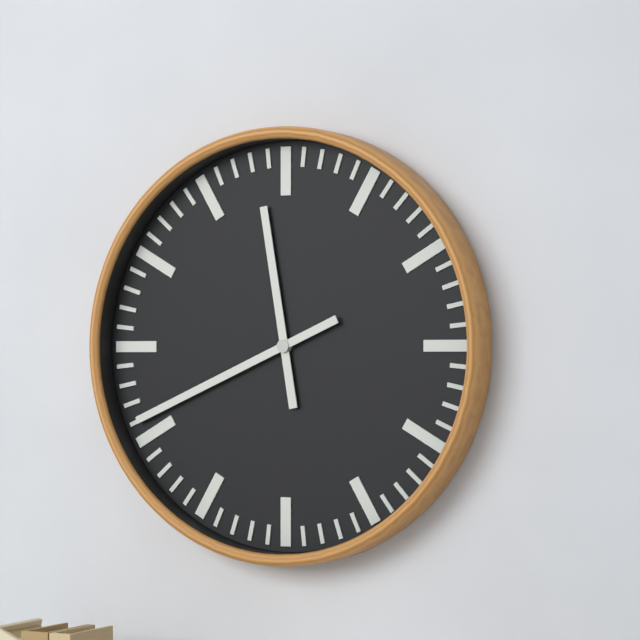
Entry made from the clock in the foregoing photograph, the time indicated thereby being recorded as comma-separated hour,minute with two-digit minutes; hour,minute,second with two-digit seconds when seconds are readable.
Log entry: 11,41
